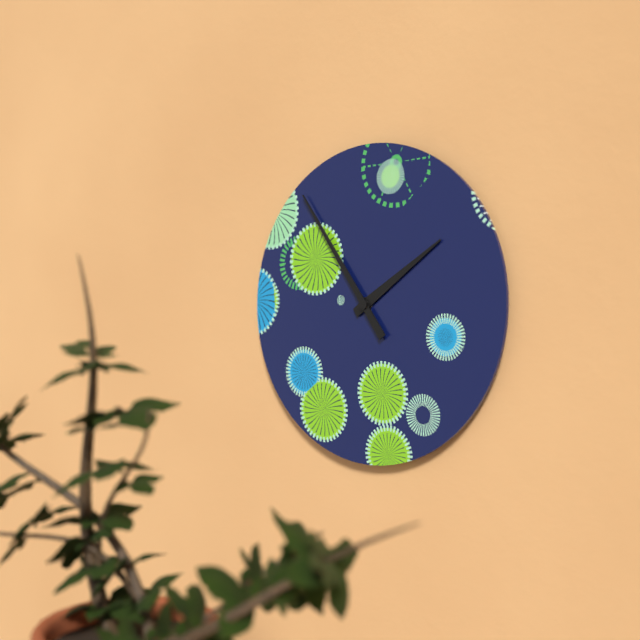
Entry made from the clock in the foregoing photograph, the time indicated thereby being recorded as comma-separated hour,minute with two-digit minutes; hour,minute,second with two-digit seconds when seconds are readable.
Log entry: 1,54
